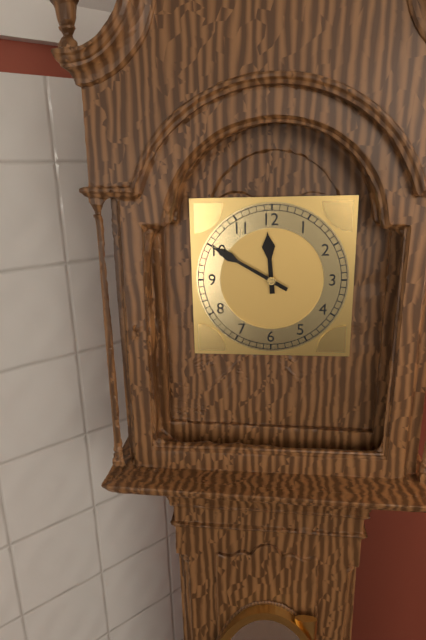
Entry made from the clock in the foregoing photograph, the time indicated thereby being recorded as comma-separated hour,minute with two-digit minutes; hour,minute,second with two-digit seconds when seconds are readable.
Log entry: 11,50
